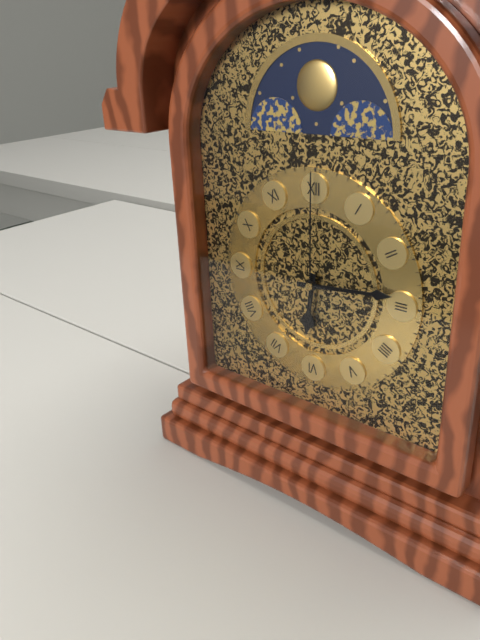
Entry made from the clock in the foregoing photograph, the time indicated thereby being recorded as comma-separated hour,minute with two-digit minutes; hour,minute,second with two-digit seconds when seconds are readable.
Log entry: 6,14,00
